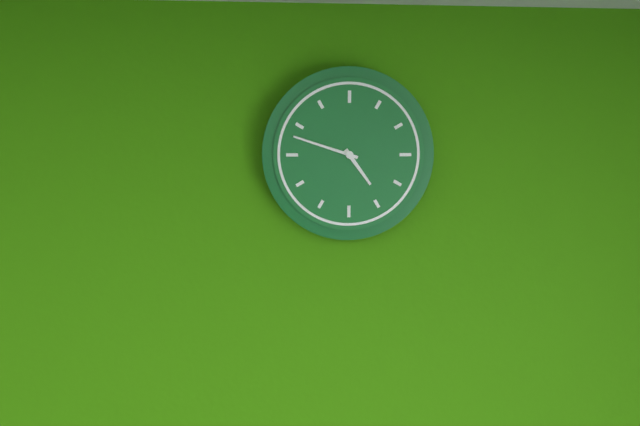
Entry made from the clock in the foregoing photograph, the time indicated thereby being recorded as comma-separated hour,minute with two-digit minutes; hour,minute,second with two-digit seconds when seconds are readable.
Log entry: 4,48
